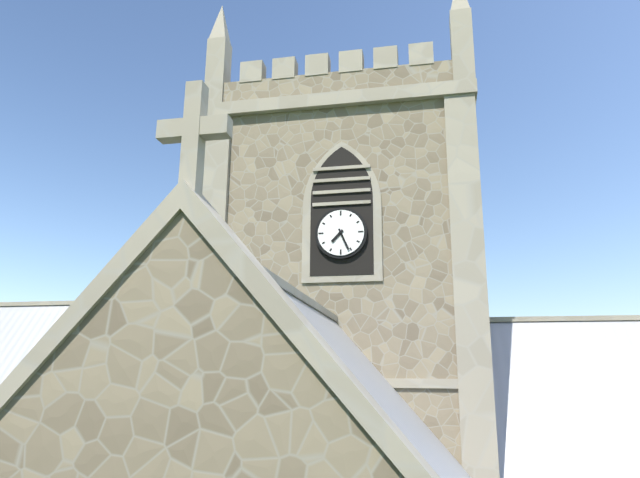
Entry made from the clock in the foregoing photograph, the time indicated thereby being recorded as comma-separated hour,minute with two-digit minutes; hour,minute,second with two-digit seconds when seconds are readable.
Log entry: 7,26
